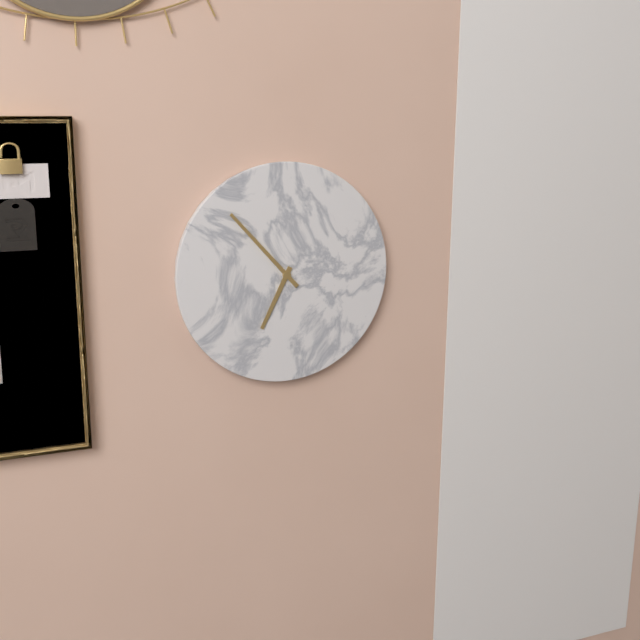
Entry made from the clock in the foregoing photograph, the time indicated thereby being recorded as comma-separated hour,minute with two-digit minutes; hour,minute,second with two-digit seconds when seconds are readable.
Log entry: 6,53
